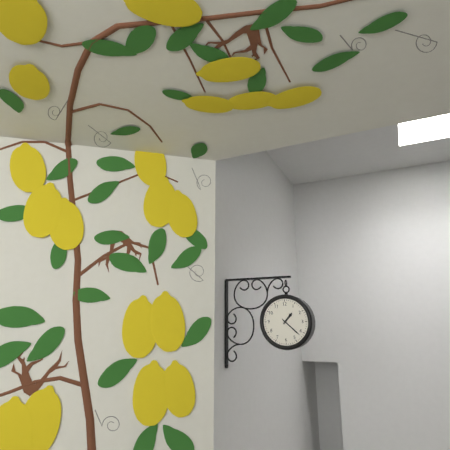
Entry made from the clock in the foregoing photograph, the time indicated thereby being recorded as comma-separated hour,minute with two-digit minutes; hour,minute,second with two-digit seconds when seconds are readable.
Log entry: 1,22
